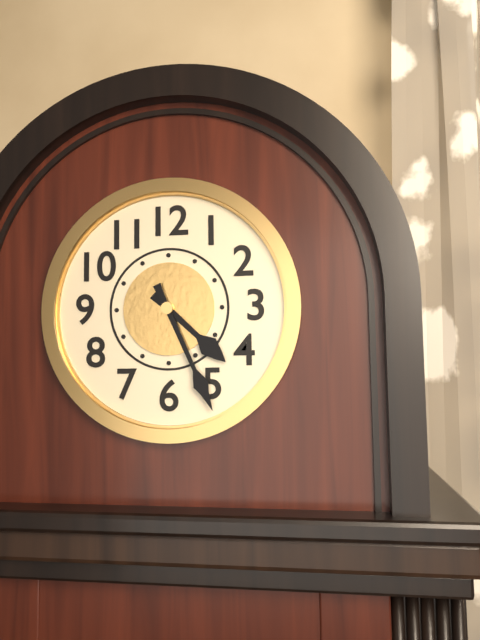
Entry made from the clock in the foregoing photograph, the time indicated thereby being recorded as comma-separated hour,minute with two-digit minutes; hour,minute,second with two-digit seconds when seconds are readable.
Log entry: 4,26
